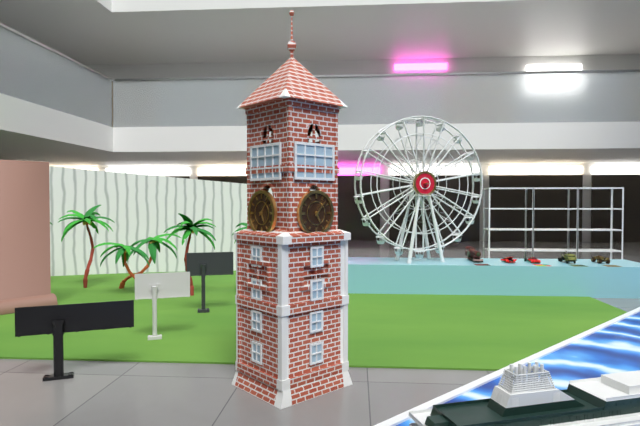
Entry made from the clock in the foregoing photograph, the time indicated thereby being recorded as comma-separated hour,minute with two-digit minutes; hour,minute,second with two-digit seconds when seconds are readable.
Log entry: 5,07
